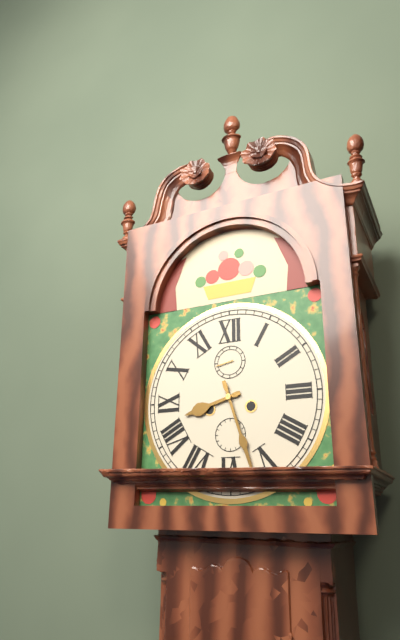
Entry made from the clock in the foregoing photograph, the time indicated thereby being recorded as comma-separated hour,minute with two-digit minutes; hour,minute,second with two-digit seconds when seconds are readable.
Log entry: 8,27
